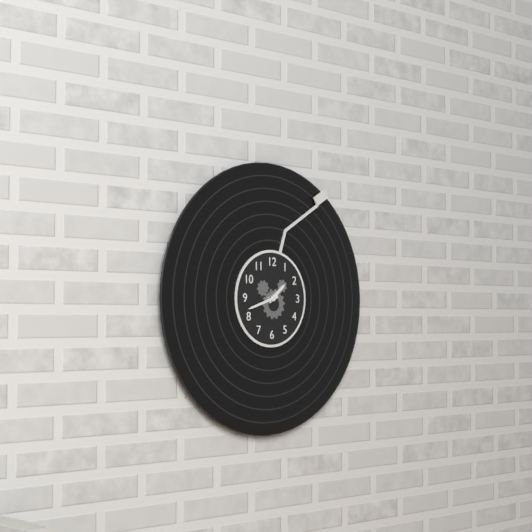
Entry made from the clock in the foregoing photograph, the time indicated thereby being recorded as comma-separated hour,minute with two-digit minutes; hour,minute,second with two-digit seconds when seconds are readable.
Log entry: 1,42
